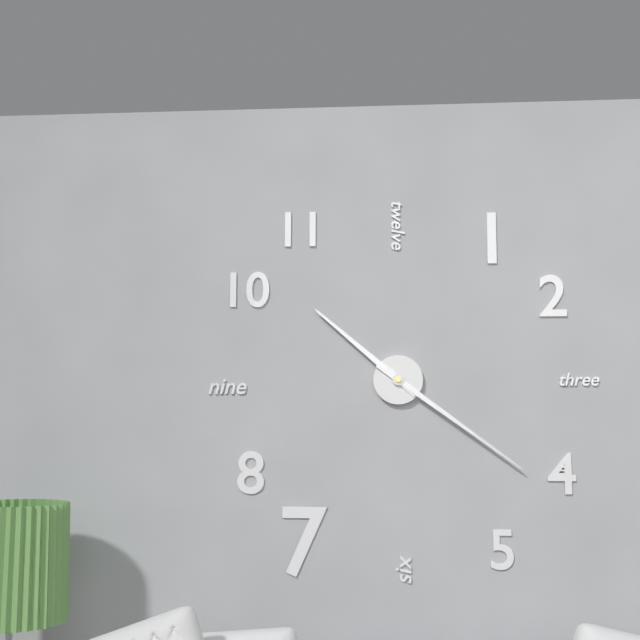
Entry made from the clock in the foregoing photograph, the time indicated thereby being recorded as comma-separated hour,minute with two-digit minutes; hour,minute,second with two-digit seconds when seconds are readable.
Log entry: 10,21
